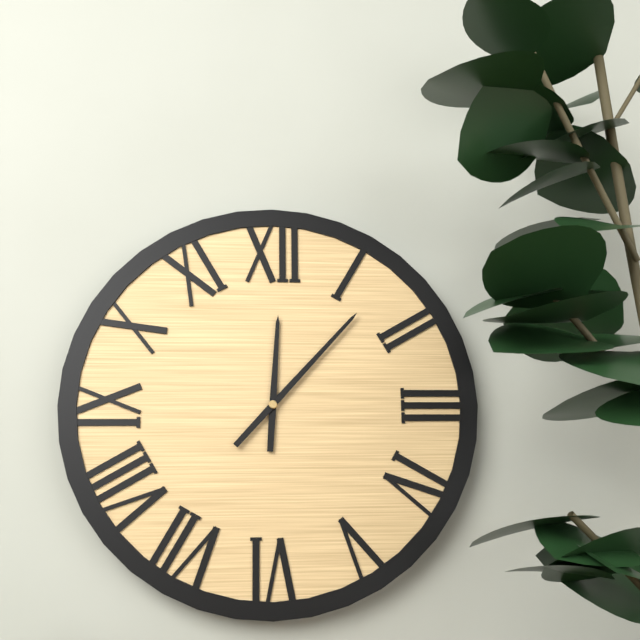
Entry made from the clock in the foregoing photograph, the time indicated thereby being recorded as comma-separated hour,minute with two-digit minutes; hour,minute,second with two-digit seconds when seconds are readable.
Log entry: 12,07
